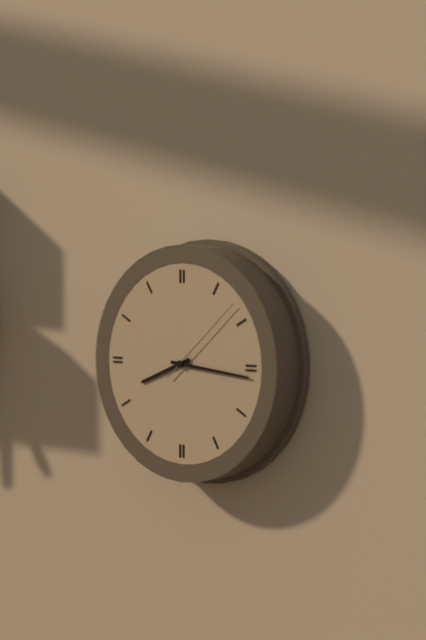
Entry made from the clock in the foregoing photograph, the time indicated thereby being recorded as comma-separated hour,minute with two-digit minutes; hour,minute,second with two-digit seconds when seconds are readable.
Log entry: 8,16,08
